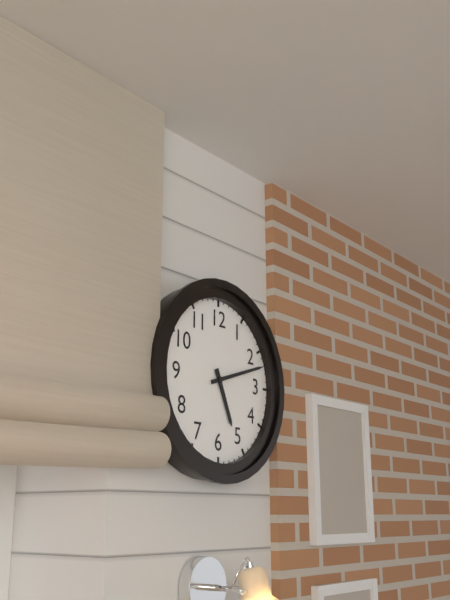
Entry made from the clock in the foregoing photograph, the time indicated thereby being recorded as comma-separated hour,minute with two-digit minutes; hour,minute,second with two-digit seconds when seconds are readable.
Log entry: 5,12
